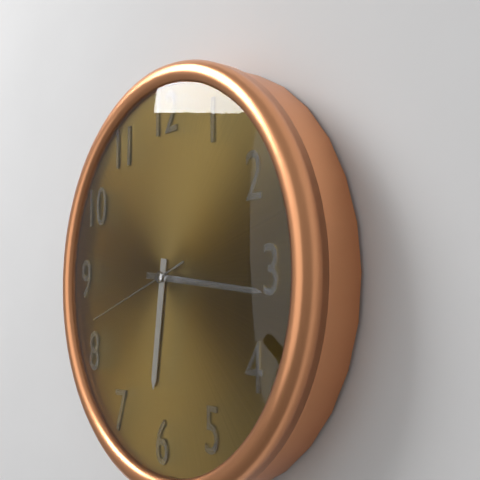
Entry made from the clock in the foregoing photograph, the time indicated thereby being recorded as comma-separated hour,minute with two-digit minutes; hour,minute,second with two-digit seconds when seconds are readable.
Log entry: 6,16,42
